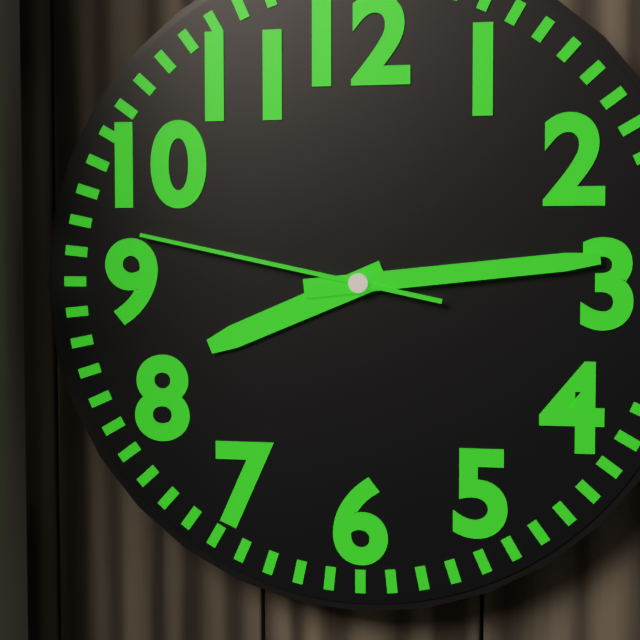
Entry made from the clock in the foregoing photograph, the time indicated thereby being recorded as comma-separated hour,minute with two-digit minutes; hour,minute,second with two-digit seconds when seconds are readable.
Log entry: 8,14,47
